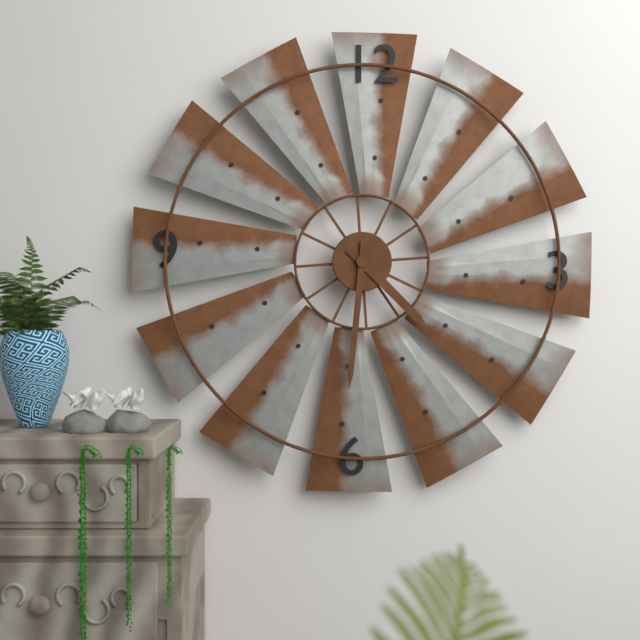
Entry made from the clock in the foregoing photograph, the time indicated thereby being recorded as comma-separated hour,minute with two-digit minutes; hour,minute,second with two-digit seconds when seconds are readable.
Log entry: 4,31
